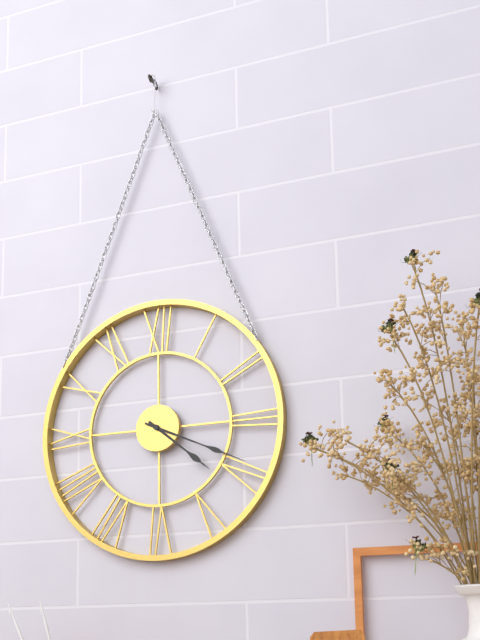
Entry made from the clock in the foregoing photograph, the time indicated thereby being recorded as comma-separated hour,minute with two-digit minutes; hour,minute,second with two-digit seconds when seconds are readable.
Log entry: 4,19
